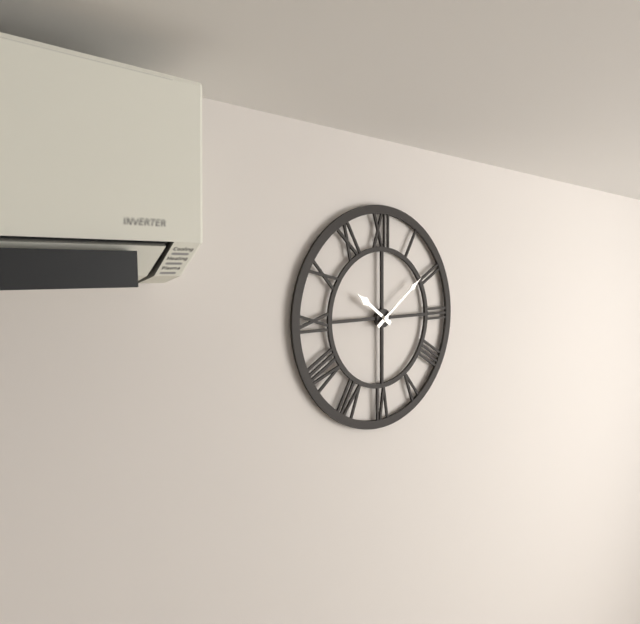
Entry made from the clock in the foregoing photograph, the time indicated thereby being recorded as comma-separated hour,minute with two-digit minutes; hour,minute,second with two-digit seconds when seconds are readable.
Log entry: 10,09
